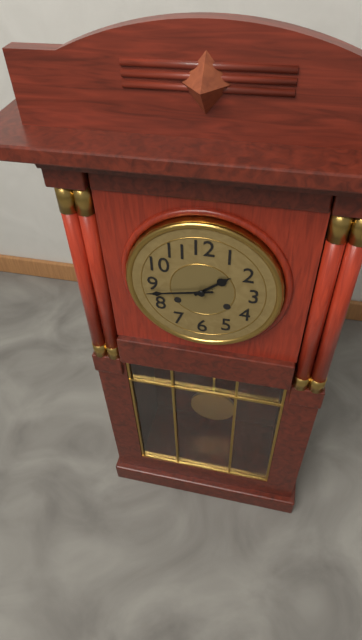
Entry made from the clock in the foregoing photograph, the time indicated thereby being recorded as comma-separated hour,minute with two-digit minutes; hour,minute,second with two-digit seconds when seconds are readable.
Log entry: 1,43
